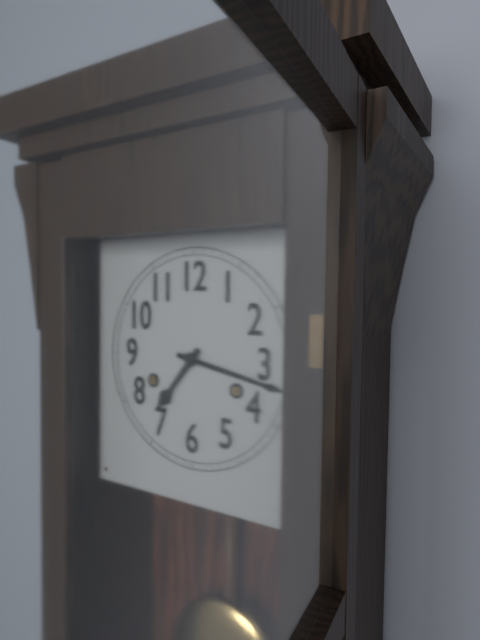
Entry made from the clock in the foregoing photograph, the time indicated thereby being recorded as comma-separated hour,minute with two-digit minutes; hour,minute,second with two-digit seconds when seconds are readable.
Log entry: 7,17
